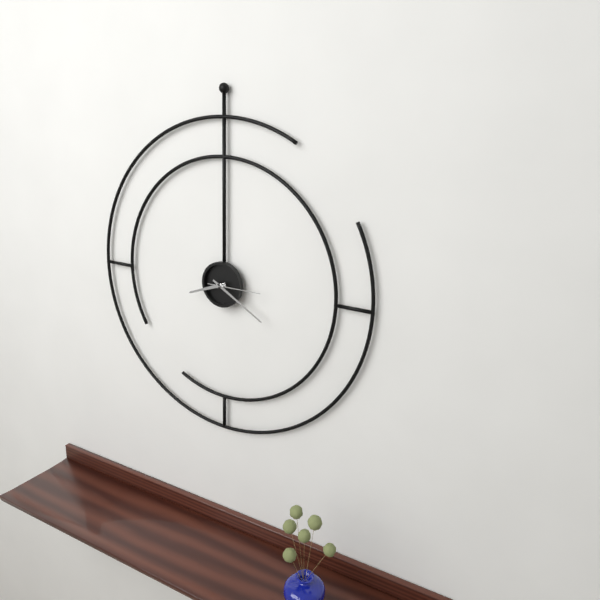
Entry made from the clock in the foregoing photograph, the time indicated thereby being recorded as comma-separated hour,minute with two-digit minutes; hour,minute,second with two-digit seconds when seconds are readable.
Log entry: 8,20,15
